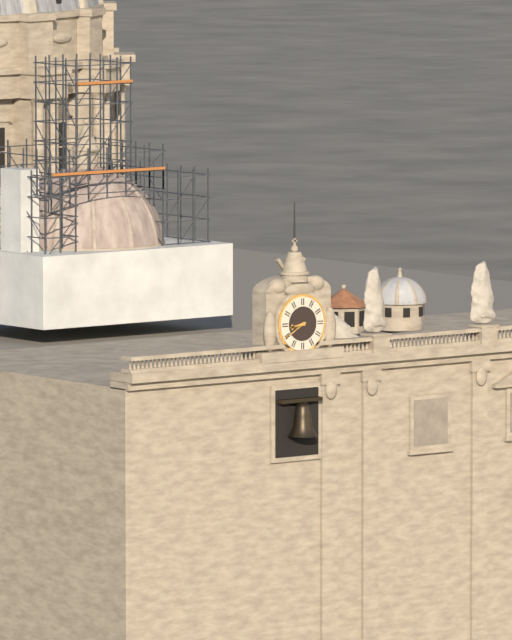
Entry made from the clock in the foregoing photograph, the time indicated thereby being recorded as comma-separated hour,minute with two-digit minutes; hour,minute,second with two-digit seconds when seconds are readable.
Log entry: 8,40
